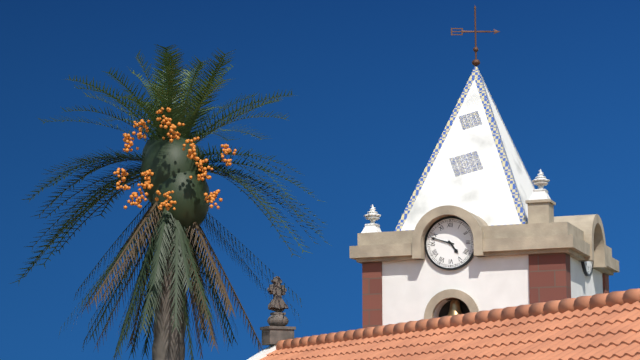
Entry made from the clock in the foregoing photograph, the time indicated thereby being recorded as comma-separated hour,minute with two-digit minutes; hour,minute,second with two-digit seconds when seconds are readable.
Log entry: 4,48
